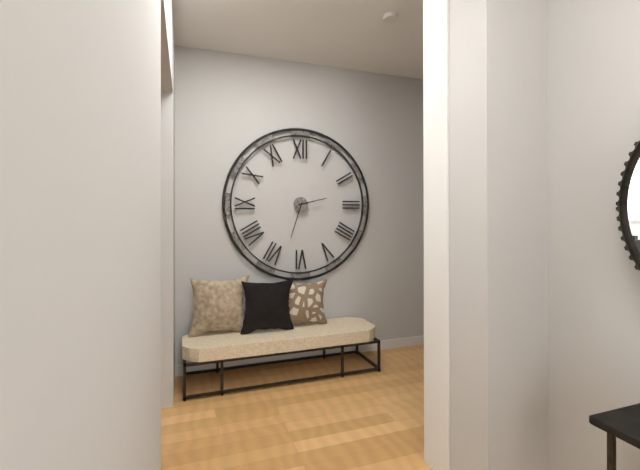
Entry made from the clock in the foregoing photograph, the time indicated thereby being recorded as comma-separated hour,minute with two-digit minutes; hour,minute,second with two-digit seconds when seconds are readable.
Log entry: 2,33
